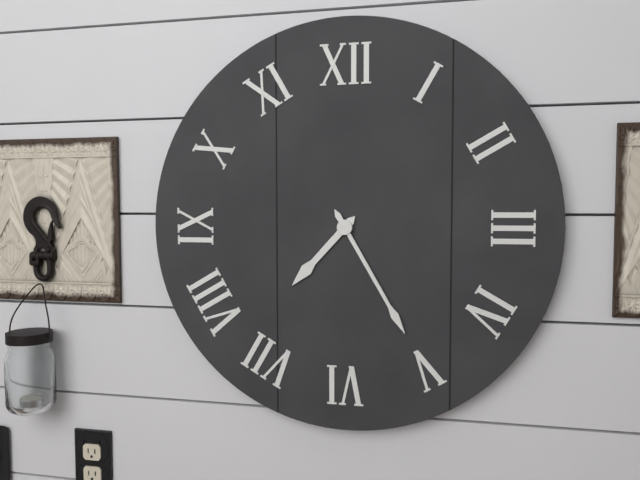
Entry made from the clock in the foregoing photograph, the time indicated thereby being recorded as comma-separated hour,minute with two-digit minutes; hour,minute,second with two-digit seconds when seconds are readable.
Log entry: 7,25
